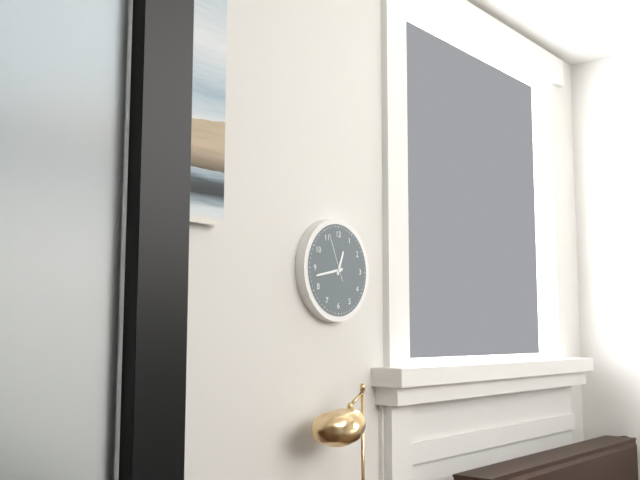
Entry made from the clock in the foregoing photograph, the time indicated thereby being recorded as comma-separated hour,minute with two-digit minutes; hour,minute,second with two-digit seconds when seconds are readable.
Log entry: 12,43
